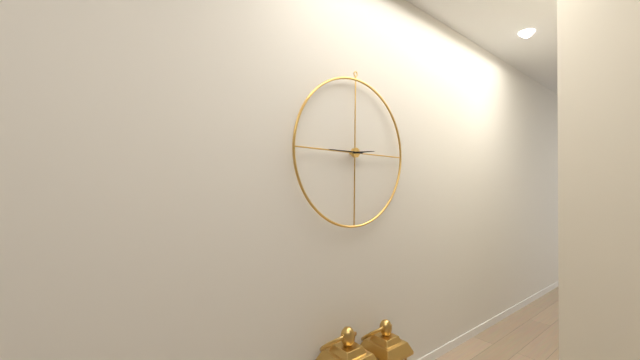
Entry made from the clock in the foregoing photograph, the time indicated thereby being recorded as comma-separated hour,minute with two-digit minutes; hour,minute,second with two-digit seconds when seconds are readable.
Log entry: 2,45
